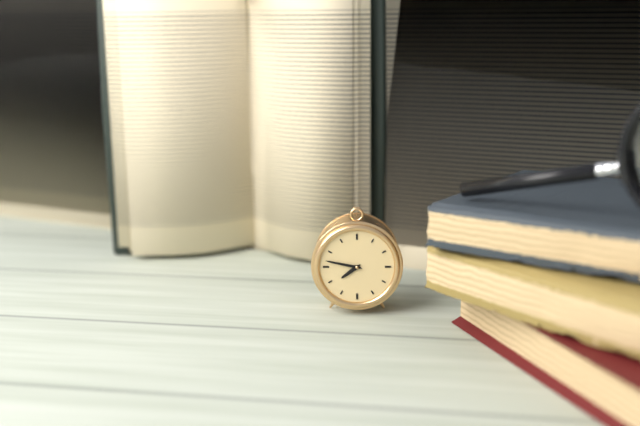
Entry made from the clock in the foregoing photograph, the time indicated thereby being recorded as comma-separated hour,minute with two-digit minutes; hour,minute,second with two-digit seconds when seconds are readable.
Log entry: 7,47
